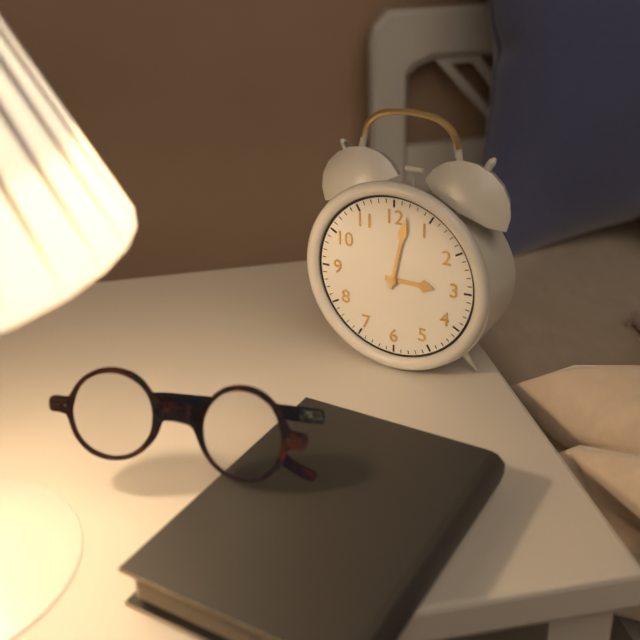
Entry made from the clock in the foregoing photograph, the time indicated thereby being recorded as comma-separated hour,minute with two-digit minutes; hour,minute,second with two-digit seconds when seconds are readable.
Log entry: 3,02
